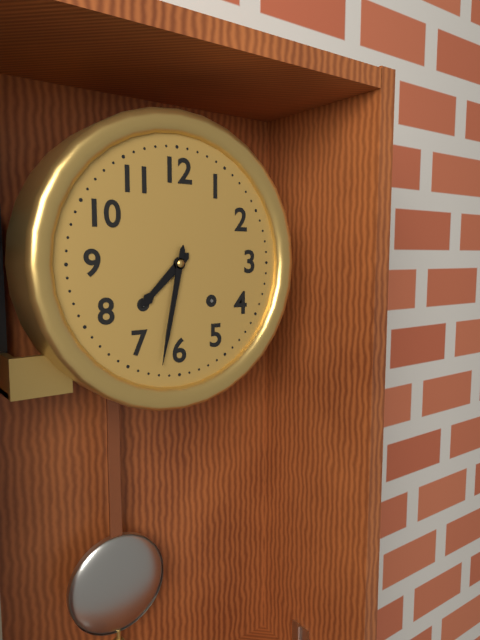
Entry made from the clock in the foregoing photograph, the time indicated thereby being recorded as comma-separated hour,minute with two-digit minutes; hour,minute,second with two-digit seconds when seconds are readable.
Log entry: 7,32
